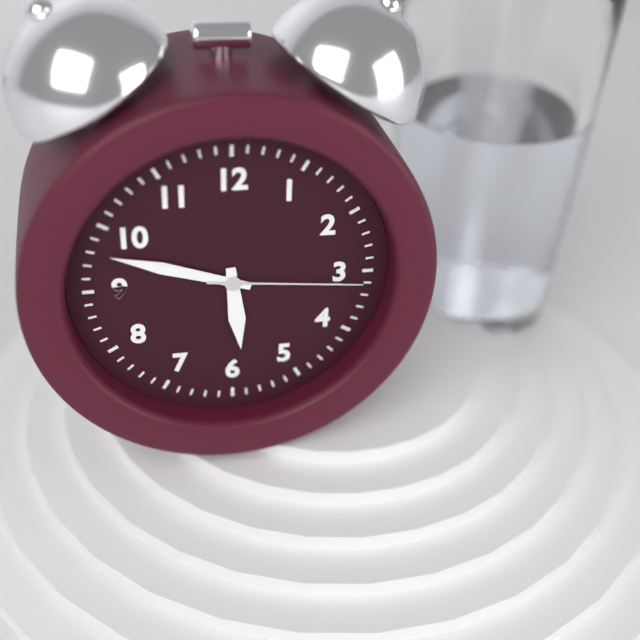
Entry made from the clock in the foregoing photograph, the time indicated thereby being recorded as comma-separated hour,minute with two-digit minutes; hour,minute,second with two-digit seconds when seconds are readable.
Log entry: 5,48,16
